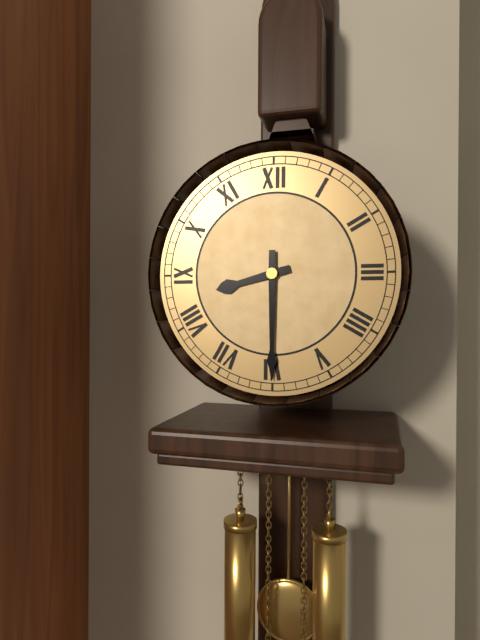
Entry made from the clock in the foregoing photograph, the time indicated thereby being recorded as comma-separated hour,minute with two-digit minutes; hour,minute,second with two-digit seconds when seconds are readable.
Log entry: 8,30
